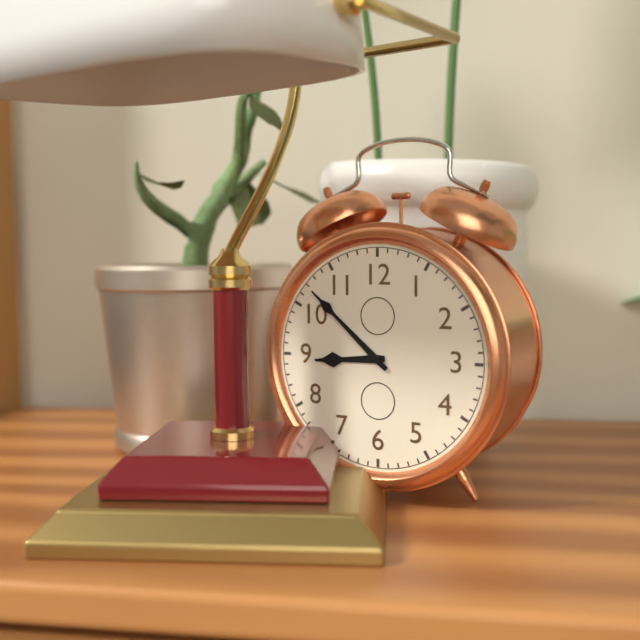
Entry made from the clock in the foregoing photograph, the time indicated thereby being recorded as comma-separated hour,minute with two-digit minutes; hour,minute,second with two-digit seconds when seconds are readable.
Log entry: 8,52
